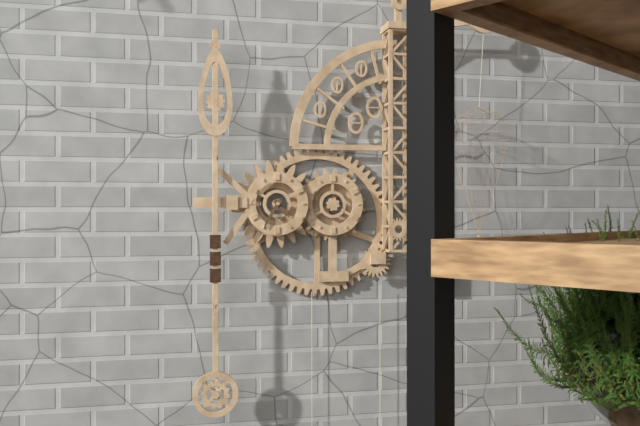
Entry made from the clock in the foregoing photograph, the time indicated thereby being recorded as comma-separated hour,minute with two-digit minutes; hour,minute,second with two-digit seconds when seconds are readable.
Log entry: 4,35
